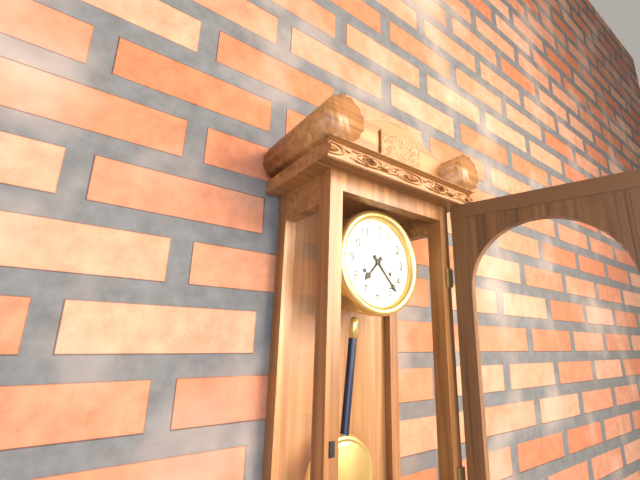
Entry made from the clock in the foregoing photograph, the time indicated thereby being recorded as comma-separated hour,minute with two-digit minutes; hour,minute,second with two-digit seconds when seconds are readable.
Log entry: 7,23
